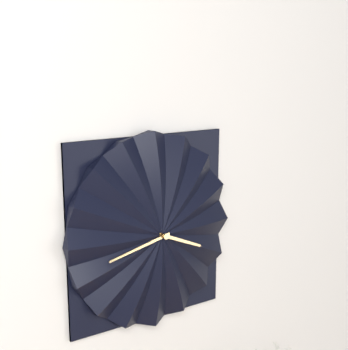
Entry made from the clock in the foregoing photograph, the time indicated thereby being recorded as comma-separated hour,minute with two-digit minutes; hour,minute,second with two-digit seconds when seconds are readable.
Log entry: 3,43
